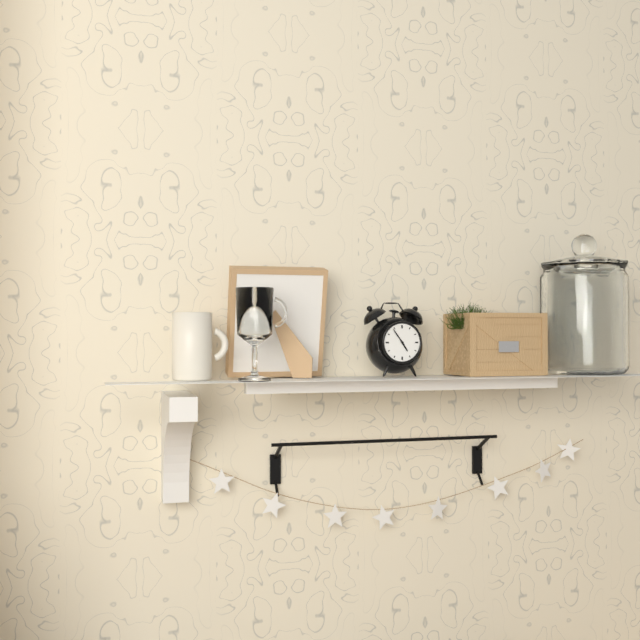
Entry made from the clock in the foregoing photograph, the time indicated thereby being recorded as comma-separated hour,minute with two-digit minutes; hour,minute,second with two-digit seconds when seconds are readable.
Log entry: 4,54
